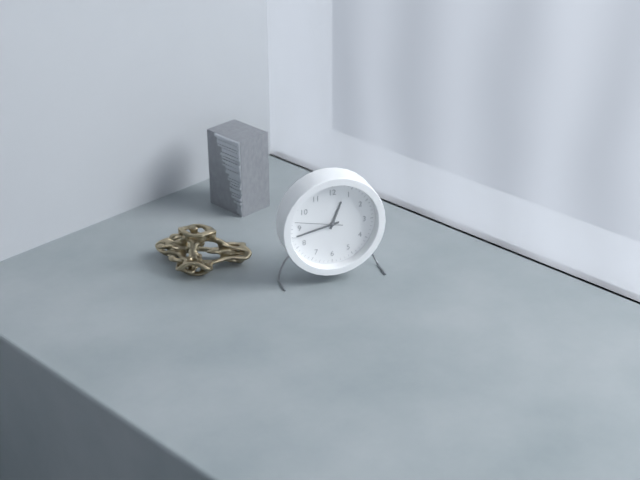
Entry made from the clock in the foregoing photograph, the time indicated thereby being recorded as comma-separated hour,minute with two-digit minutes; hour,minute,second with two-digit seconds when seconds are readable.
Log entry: 12,43
